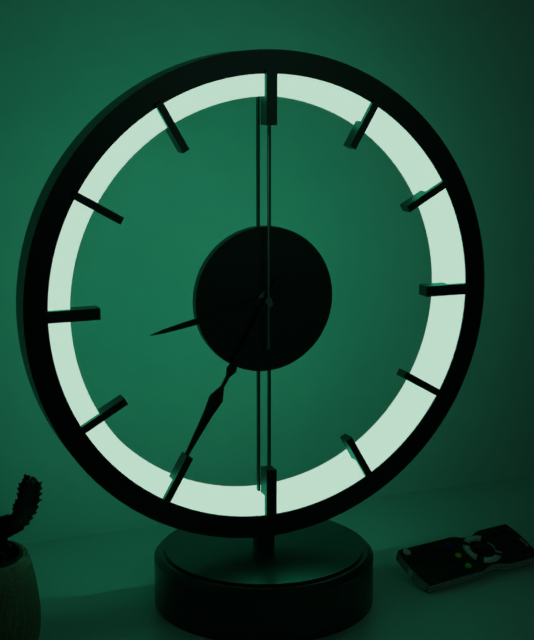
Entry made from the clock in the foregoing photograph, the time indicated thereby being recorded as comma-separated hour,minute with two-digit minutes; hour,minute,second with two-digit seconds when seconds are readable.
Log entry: 8,35,00
